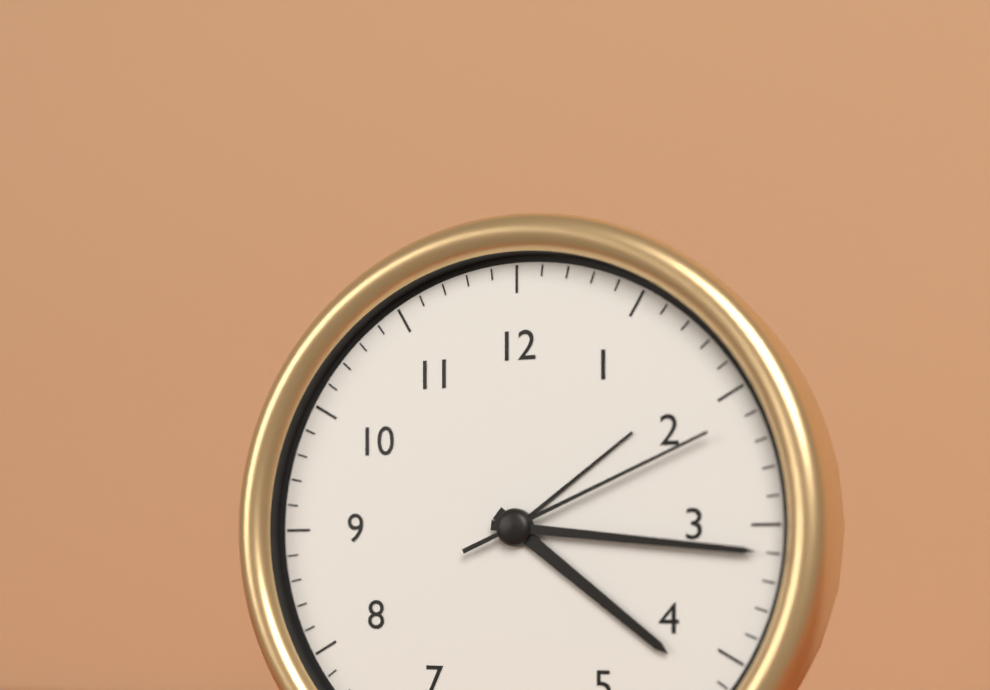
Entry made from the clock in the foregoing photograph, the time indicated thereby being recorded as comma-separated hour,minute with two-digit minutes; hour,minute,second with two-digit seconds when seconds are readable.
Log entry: 4,16,11
